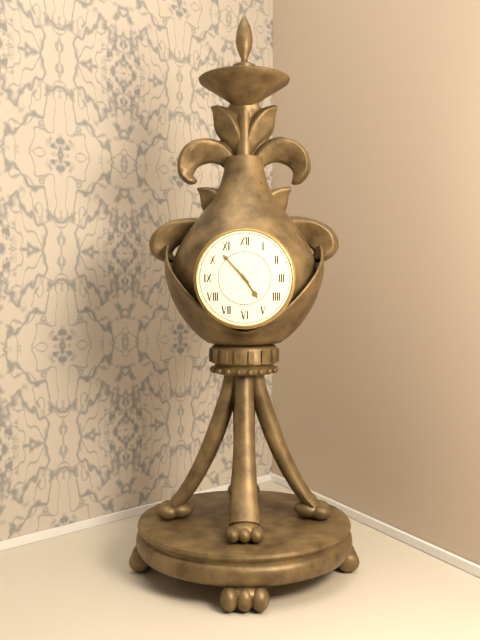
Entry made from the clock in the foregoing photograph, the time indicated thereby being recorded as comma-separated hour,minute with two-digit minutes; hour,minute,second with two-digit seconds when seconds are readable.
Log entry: 4,53
